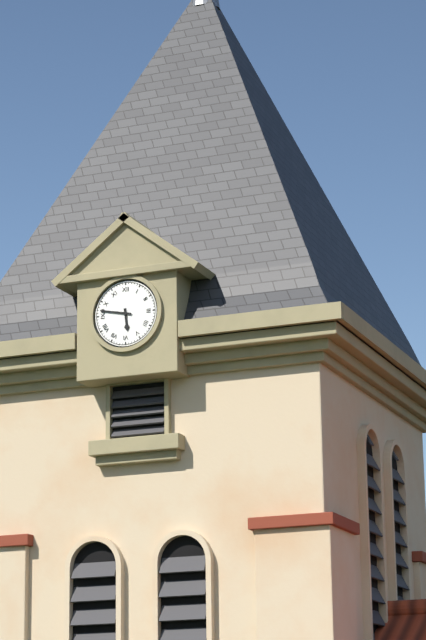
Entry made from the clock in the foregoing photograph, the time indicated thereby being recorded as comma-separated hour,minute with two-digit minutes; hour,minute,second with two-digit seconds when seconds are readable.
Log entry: 5,47
